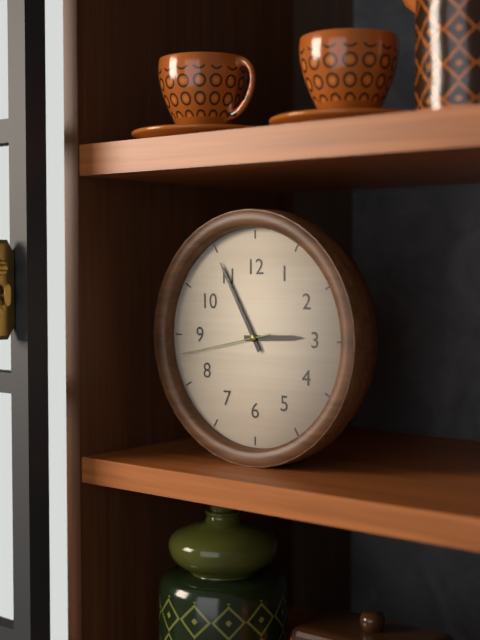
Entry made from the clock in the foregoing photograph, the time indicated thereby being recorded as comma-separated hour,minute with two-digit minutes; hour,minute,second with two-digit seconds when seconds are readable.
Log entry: 2,55,43
